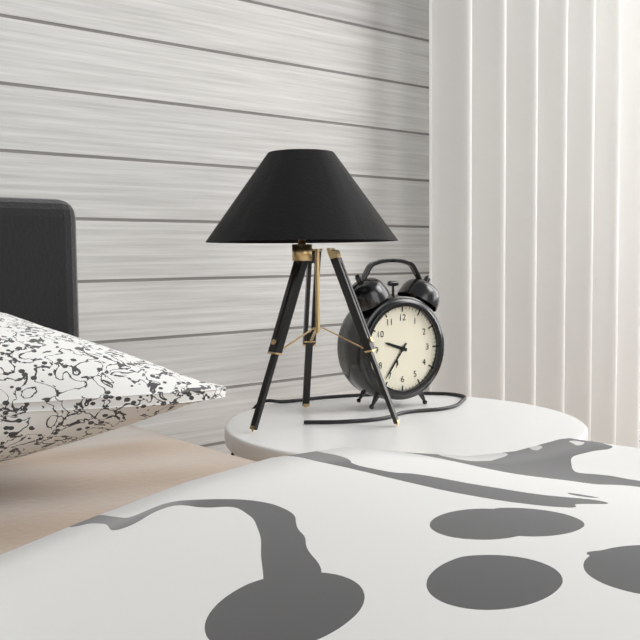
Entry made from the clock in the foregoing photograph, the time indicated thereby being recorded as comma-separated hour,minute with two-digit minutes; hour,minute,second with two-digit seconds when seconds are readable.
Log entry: 9,36
